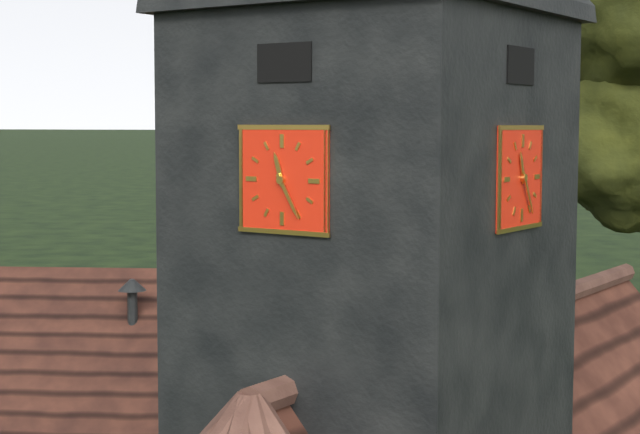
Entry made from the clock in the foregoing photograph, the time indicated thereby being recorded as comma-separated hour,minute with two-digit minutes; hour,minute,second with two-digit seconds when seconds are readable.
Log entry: 11,25
